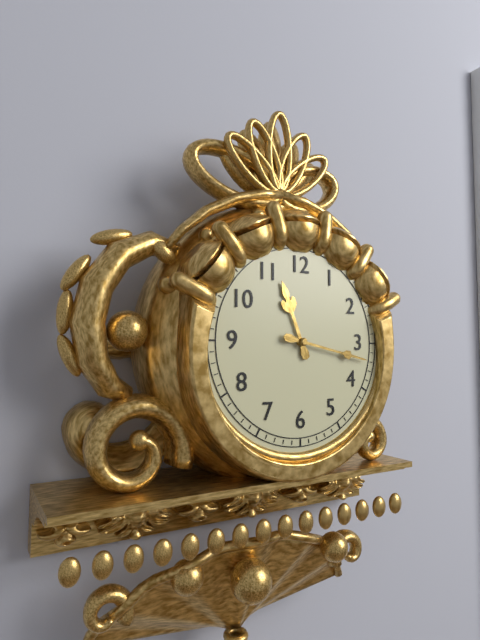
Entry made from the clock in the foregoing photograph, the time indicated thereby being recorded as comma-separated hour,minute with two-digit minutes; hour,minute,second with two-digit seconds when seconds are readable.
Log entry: 11,17
